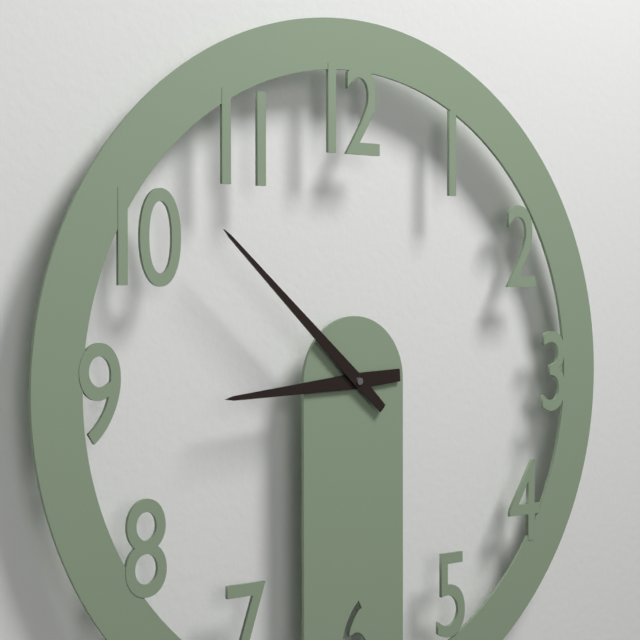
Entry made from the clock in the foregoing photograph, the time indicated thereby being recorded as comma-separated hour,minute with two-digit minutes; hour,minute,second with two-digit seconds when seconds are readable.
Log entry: 8,52
